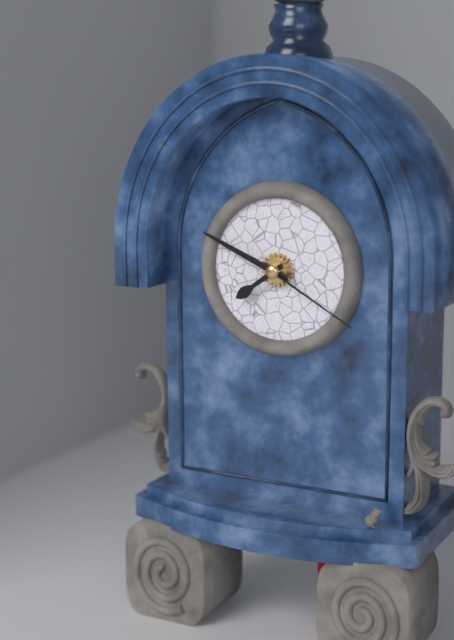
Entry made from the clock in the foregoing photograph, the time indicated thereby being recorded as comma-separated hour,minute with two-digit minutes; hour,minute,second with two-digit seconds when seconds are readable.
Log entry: 7,49,20
